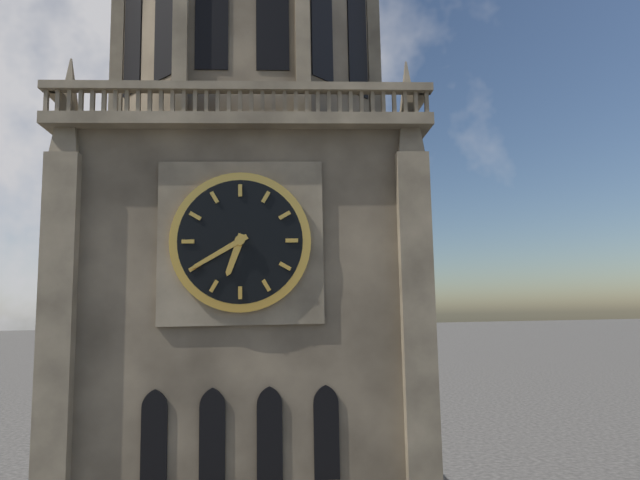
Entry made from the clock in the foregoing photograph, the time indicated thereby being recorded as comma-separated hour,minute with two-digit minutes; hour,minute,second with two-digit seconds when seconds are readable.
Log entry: 6,40
